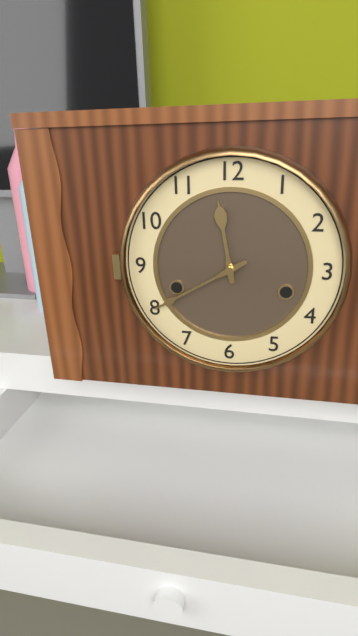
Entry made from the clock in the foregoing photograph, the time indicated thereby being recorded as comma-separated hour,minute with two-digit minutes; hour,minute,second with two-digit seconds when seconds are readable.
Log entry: 11,40
